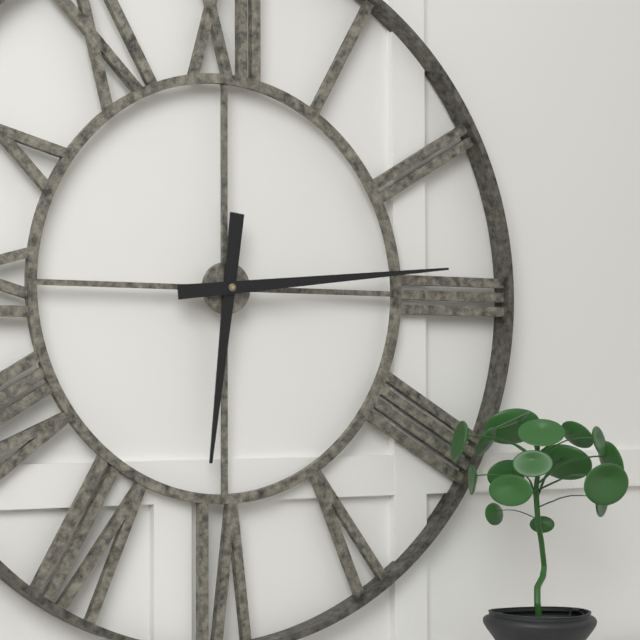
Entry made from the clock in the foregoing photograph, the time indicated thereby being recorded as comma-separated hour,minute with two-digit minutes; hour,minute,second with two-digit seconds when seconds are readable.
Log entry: 6,14
